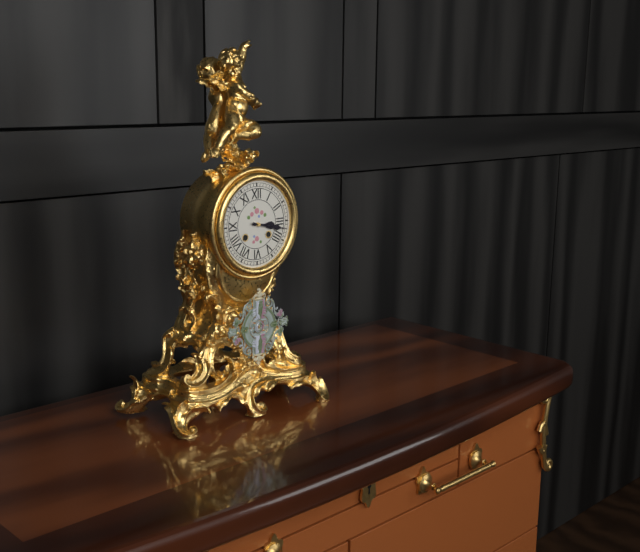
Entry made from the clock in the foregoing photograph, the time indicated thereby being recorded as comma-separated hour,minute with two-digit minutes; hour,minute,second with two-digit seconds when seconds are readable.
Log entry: 3,17
